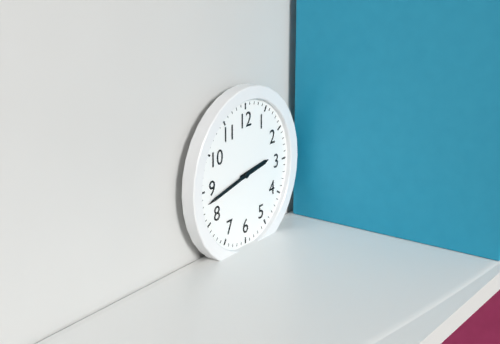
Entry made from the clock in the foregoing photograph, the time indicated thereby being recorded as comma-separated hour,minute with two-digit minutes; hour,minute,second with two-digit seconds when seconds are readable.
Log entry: 2,43
